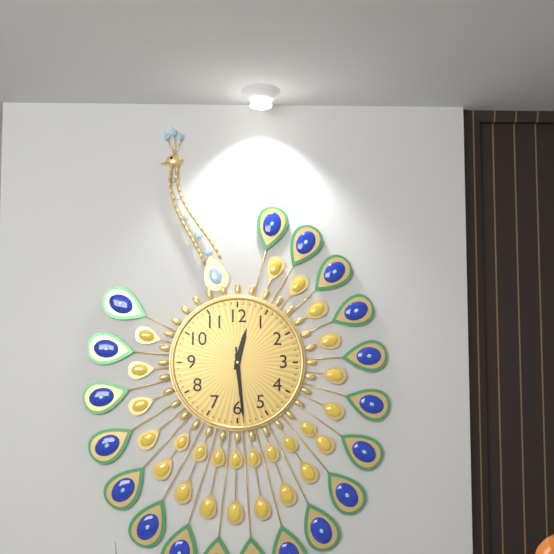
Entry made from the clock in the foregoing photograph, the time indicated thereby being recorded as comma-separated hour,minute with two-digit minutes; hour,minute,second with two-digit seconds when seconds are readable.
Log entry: 12,29,29
